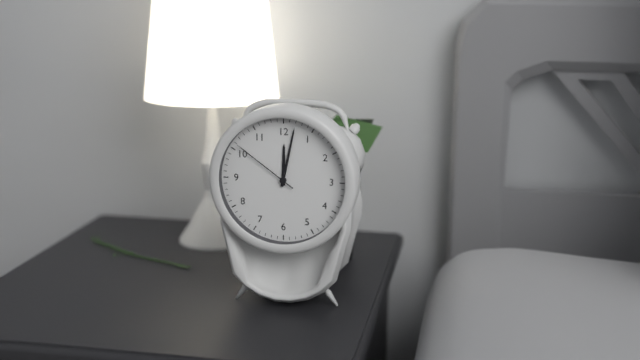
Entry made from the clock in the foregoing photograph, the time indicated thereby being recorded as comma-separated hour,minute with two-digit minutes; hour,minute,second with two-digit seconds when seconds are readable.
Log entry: 12,02,51
